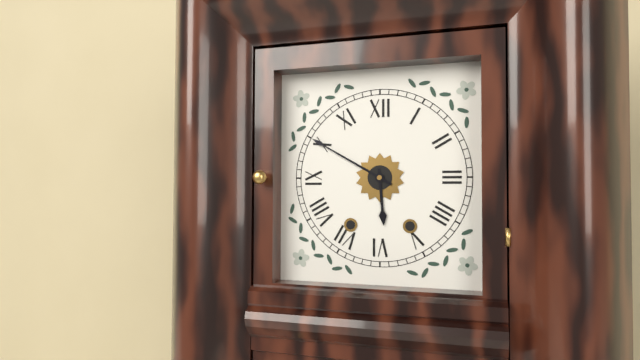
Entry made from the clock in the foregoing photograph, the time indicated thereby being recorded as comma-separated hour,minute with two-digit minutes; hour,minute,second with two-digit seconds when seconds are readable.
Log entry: 5,50
